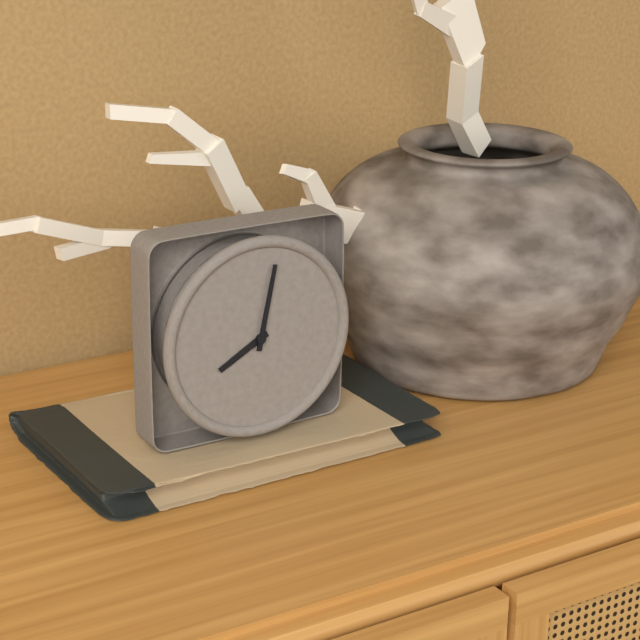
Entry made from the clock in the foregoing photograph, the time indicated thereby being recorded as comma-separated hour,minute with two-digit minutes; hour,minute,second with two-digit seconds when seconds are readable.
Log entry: 8,02
